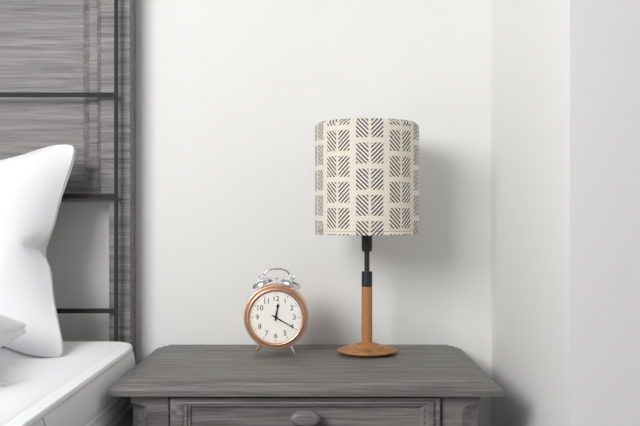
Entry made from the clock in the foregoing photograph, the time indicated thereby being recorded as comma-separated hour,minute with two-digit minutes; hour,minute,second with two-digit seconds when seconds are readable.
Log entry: 12,20
